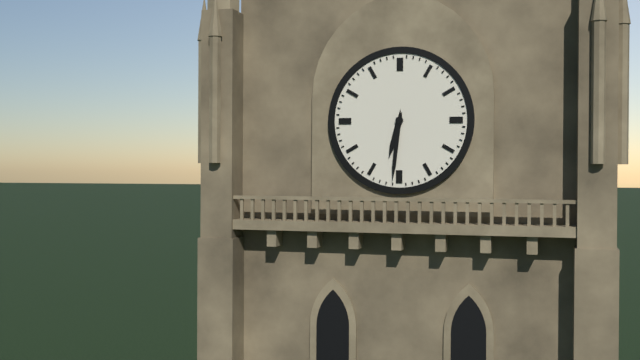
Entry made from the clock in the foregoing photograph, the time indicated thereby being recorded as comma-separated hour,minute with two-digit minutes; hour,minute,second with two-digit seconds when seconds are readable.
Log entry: 6,31
